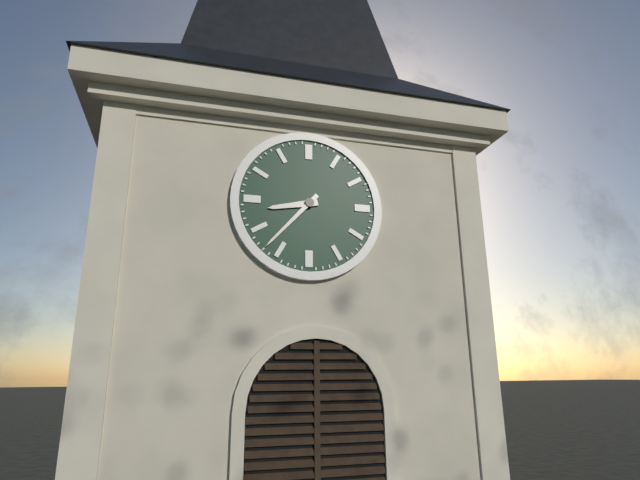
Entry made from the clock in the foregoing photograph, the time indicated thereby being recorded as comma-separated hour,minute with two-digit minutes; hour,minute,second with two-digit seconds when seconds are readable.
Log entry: 8,37
